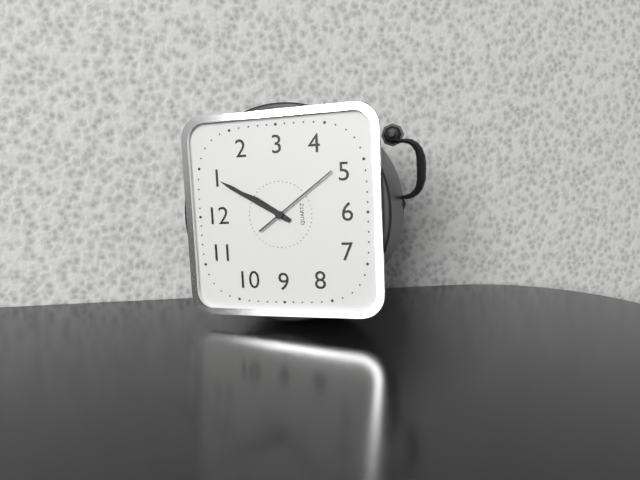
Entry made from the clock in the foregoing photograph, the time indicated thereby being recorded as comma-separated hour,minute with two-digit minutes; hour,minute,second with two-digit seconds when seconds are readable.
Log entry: 1,05,24
